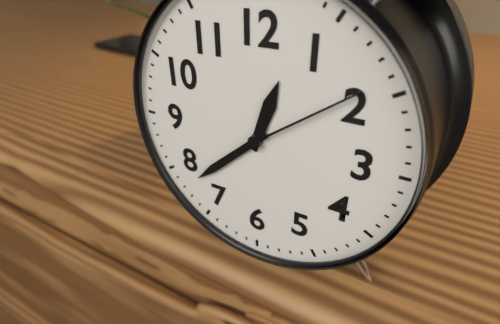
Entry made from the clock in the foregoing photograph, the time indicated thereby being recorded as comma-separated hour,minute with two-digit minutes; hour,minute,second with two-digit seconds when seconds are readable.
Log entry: 12,38,09
